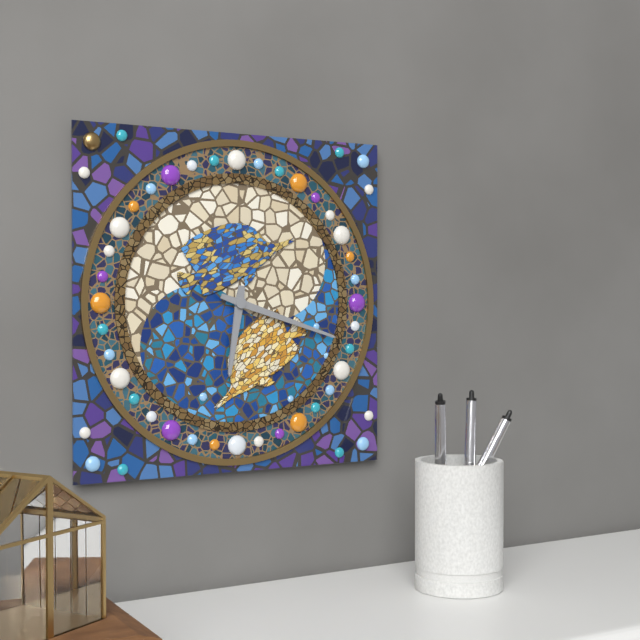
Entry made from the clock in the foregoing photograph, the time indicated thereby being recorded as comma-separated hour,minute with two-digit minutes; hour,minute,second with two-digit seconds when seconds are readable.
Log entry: 6,18
